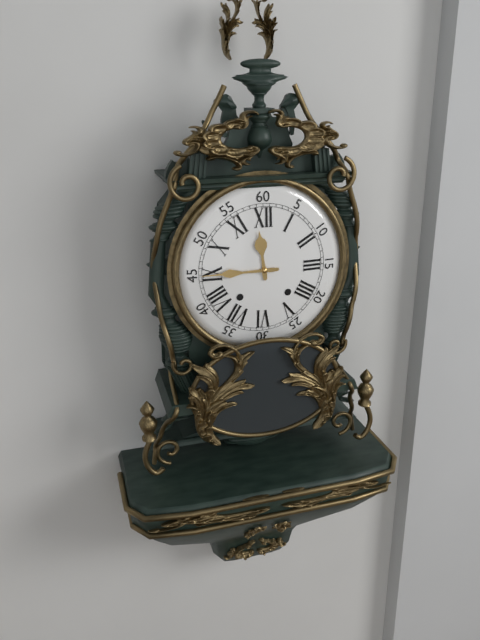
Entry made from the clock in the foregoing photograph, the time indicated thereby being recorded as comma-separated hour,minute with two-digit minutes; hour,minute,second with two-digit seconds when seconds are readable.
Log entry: 11,45
